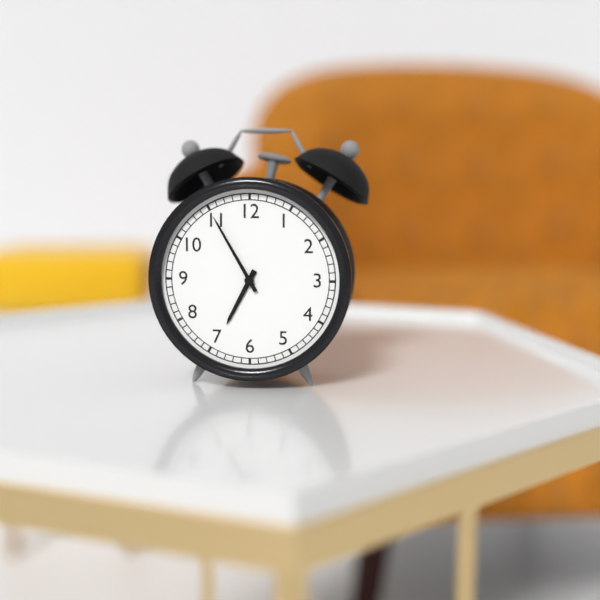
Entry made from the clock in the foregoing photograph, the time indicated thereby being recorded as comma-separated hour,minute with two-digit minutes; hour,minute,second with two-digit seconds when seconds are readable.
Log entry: 6,55
